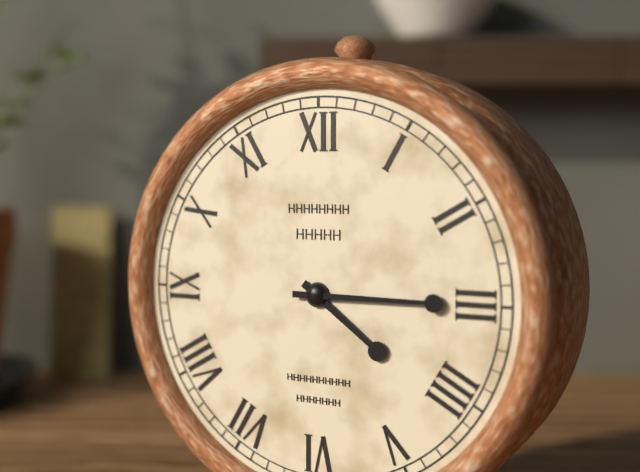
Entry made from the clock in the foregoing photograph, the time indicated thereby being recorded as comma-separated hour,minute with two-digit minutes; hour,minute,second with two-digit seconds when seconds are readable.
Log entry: 4,15
